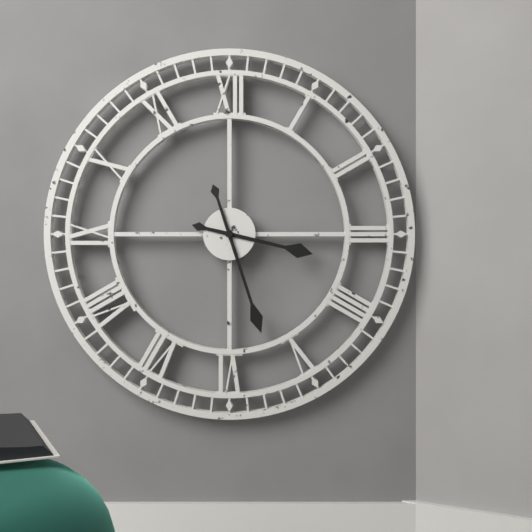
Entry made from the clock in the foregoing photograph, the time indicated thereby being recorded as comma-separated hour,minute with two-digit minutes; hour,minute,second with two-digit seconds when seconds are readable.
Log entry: 3,27
